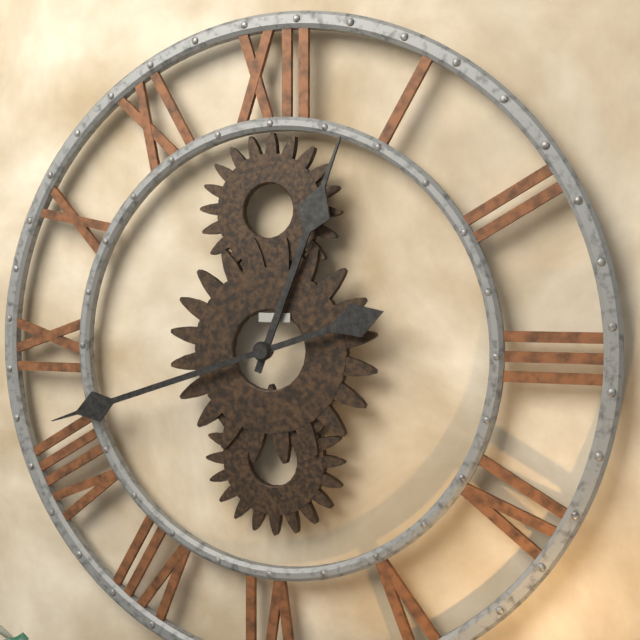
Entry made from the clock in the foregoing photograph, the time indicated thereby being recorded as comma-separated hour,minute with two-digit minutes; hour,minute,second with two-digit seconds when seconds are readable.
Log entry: 12,42
